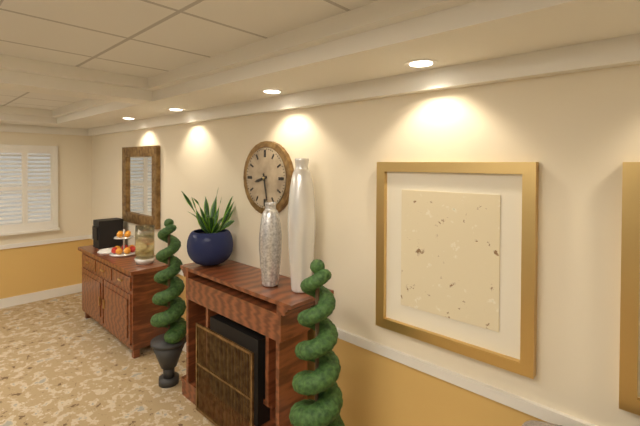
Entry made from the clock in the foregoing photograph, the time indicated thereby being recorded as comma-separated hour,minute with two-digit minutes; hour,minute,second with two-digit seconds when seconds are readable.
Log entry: 8,28
